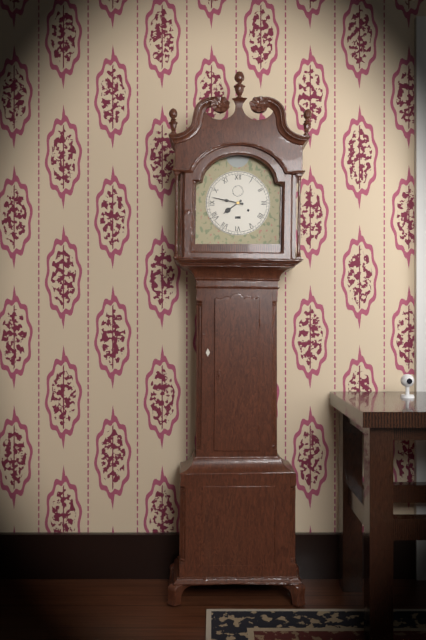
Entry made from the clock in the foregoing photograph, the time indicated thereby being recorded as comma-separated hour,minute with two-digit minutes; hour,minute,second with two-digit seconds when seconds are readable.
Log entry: 7,47
